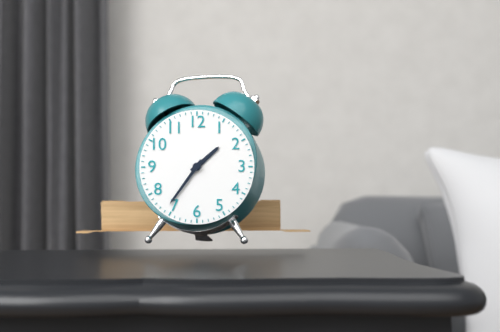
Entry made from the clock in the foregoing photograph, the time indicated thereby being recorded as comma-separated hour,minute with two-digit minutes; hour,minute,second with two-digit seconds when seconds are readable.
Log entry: 1,36
